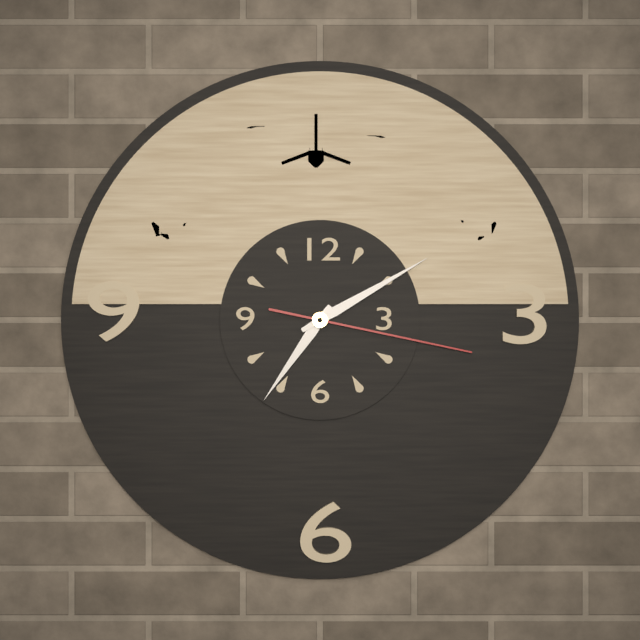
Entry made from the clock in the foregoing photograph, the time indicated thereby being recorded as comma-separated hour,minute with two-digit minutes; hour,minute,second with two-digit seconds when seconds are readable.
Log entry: 7,10,17
